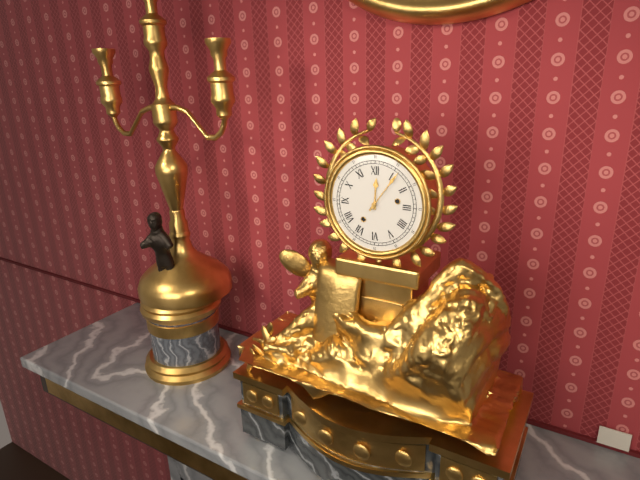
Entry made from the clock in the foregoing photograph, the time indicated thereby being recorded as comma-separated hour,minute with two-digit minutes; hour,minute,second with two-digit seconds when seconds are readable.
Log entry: 12,06
